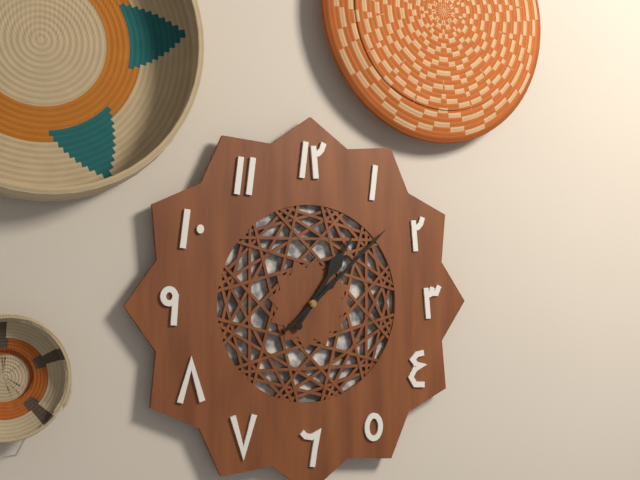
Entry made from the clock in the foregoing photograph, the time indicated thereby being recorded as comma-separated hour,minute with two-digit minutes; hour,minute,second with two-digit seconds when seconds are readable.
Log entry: 1,08
